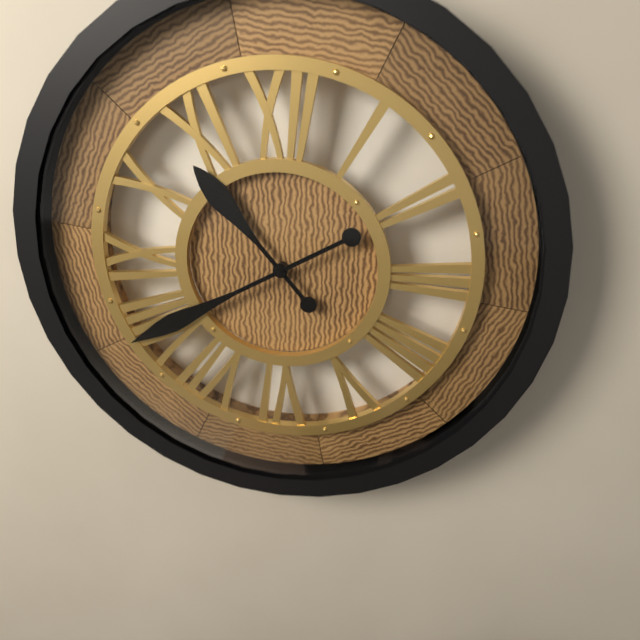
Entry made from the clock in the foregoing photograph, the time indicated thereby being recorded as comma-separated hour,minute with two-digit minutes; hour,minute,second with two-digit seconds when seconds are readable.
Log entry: 10,40
